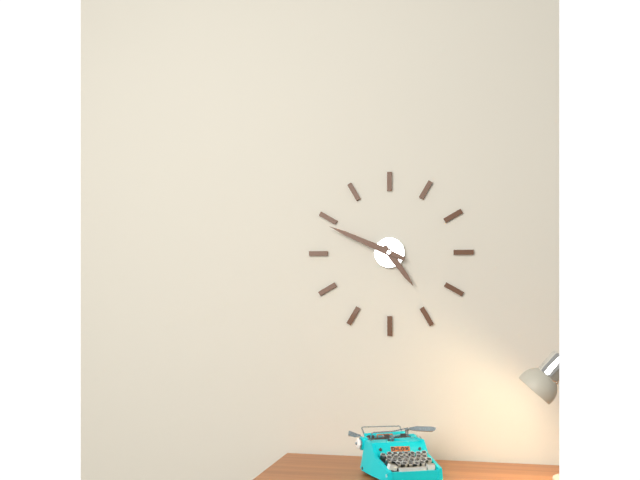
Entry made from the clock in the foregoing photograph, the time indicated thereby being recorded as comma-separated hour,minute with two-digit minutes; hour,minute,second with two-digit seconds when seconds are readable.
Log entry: 4,49
